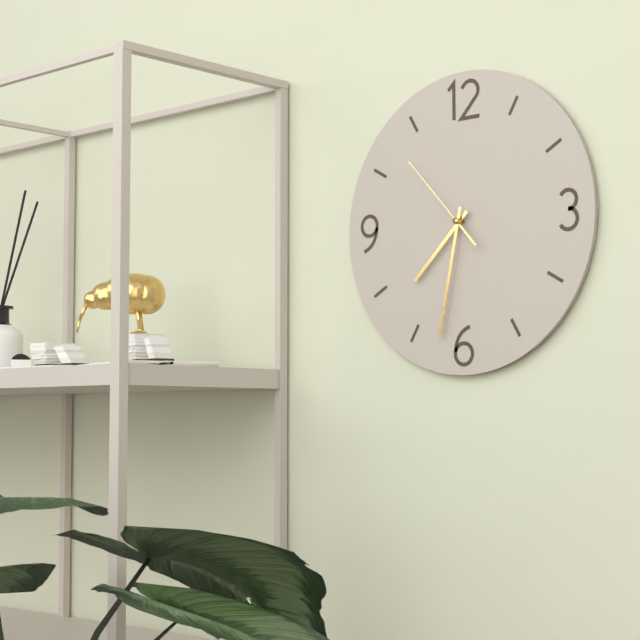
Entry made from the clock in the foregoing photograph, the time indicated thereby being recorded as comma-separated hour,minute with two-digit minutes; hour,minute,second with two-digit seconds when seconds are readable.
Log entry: 7,32,53
